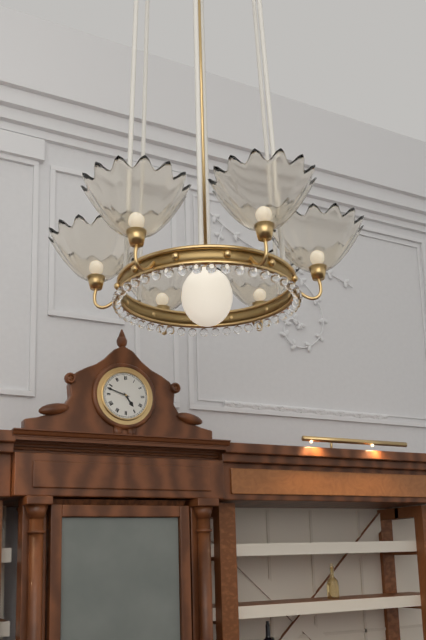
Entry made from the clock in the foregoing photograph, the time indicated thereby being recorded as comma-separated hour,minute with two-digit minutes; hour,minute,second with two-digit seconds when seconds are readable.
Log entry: 4,48
